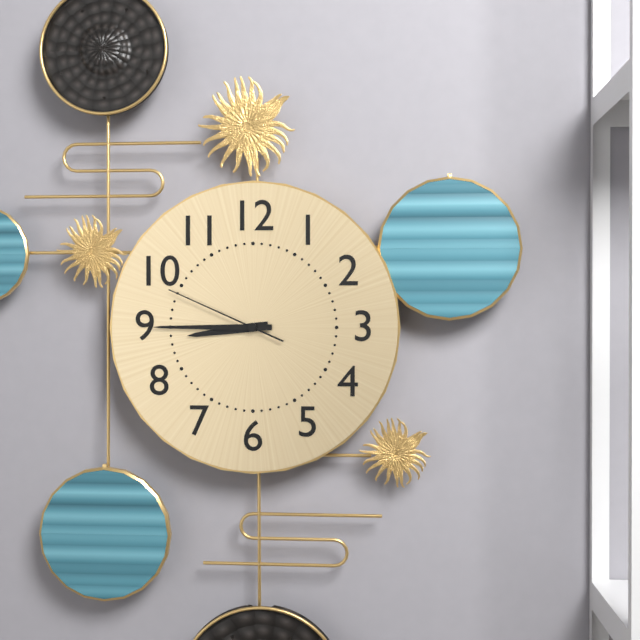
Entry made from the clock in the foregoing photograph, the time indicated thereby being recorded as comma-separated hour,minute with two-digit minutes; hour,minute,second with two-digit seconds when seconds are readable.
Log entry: 8,45,49
